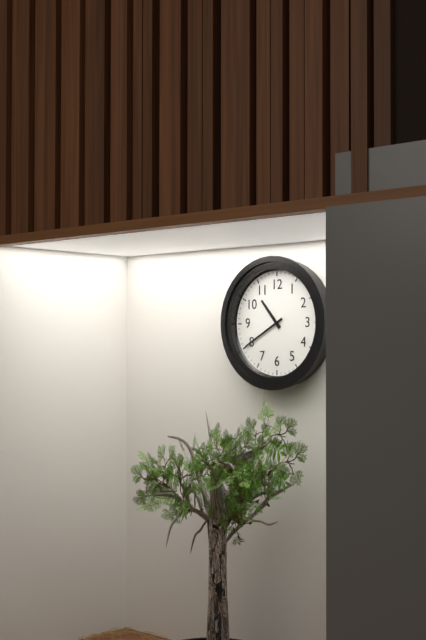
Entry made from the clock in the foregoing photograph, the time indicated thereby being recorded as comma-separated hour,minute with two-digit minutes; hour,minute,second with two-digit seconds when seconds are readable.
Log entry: 10,40
